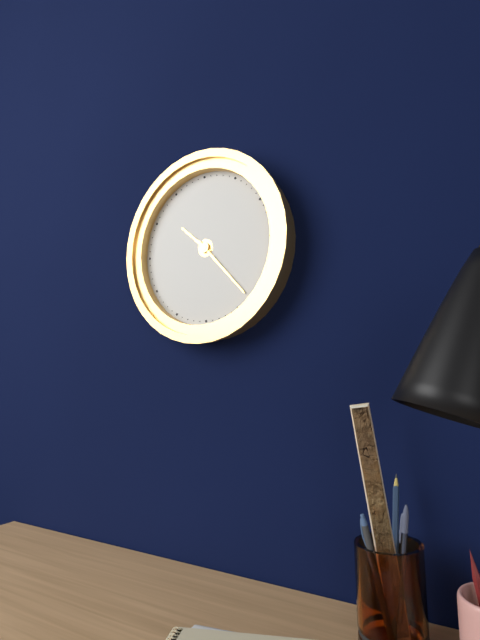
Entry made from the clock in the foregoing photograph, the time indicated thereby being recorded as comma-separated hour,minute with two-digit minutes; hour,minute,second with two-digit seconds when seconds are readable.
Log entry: 10,23
